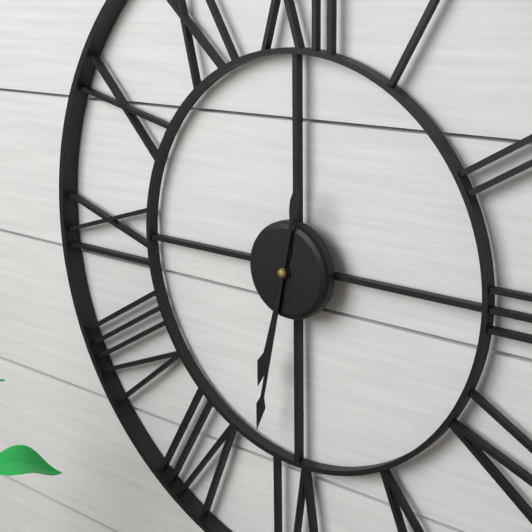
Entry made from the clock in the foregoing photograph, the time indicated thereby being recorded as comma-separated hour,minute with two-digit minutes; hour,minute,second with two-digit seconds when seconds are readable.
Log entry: 6,32
